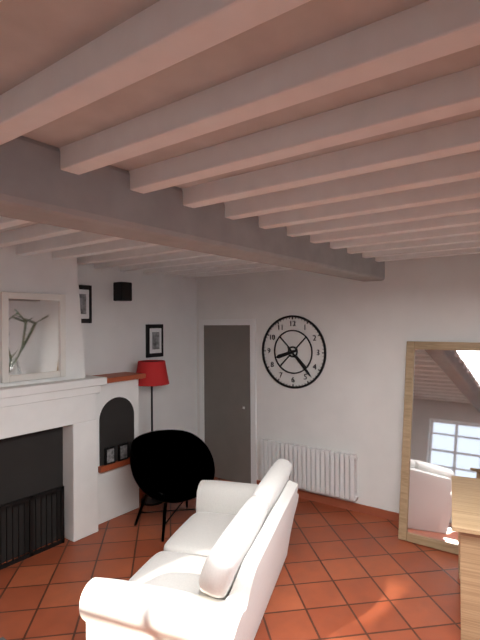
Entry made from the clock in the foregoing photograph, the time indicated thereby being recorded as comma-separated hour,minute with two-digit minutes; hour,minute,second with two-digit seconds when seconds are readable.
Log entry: 8,23
